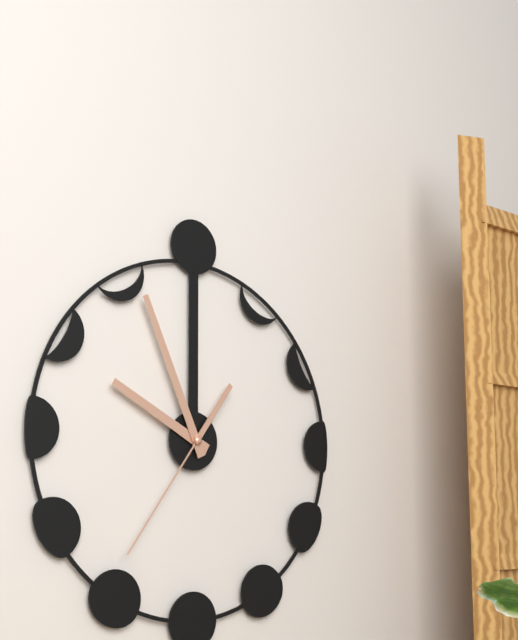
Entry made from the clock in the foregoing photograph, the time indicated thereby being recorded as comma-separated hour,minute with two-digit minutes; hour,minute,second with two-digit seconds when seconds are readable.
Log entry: 9,56,36
